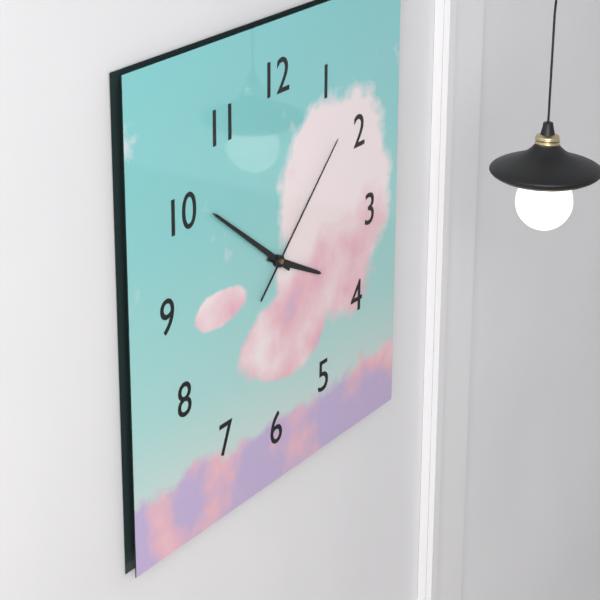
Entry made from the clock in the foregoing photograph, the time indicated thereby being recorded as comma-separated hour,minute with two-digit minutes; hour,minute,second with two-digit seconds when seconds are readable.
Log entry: 3,51,08
